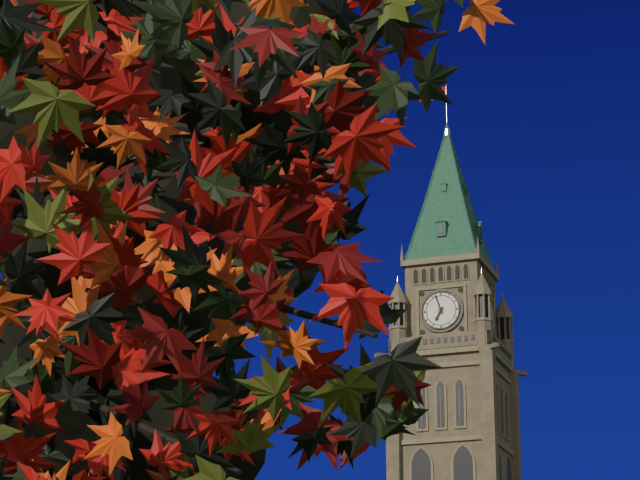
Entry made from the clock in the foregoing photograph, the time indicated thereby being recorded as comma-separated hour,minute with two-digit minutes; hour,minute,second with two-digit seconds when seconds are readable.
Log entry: 6,57
